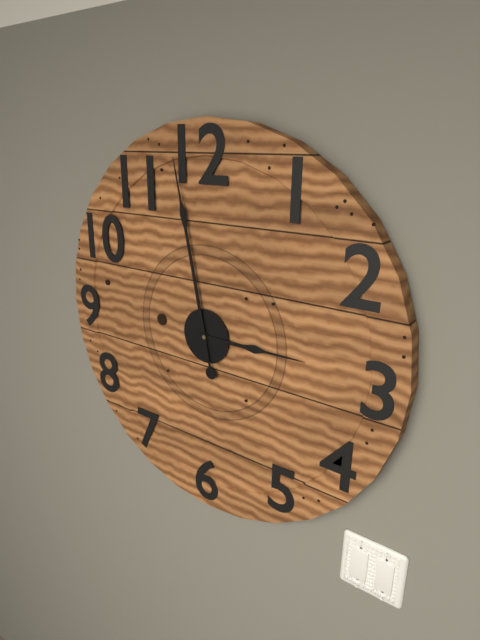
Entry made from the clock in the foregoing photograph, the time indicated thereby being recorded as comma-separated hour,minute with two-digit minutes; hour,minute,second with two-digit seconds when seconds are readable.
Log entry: 2,58
